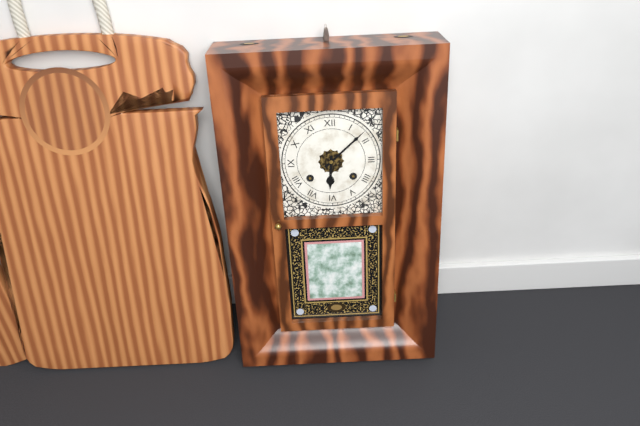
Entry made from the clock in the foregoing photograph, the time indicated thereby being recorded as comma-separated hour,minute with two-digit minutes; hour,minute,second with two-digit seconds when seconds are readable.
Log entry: 6,08
